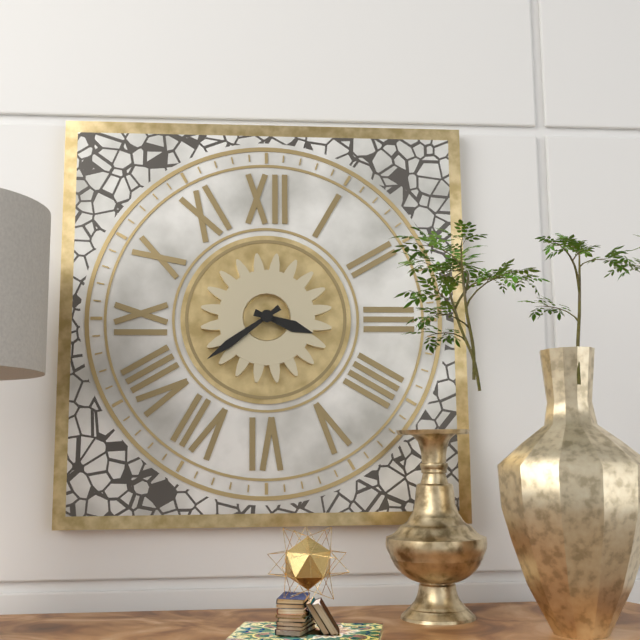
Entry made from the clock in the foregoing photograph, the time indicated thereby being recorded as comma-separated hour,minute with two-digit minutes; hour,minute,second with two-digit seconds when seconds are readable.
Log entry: 3,39
